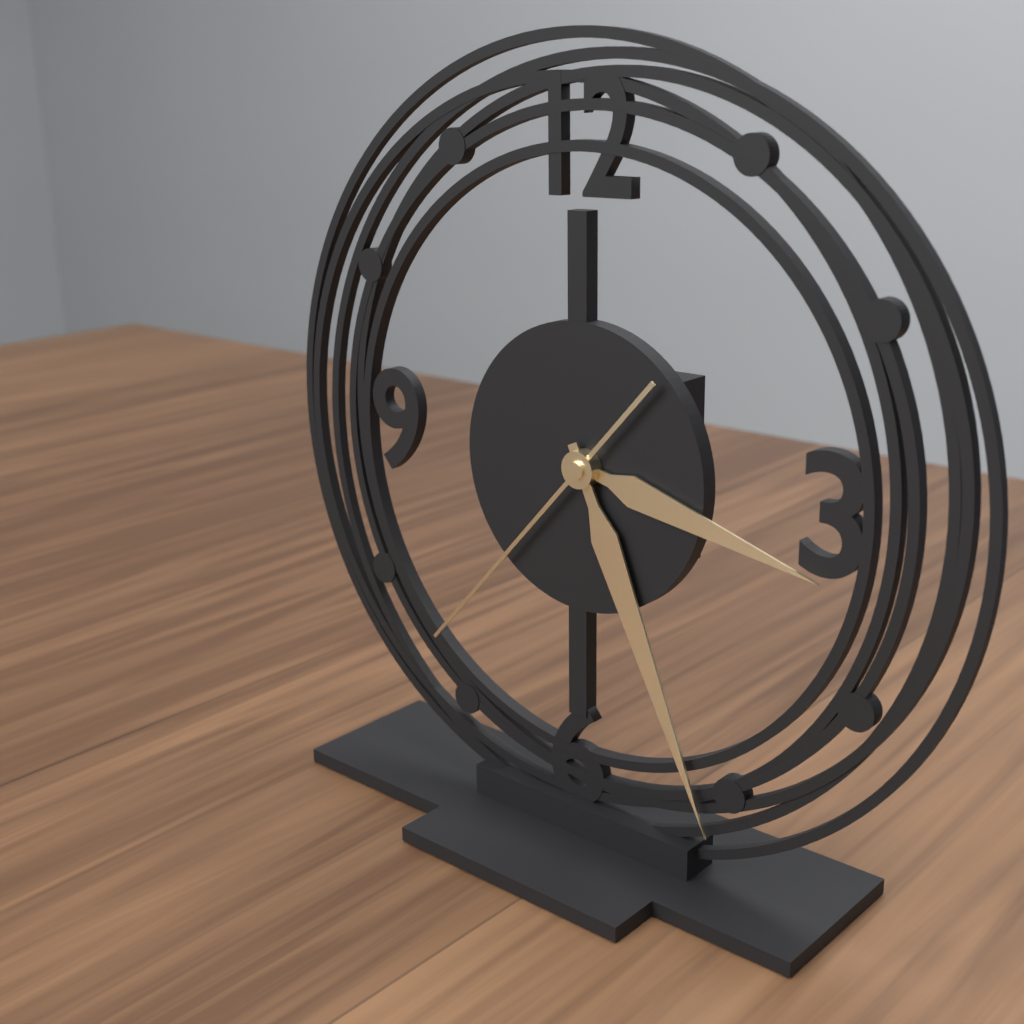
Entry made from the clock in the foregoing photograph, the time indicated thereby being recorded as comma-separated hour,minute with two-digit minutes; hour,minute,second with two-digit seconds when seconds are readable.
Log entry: 3,26,37
